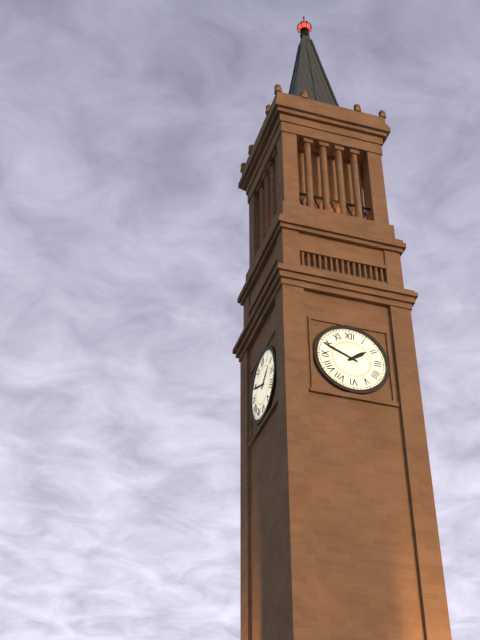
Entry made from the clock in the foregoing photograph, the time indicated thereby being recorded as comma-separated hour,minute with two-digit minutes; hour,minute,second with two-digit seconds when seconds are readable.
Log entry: 1,49
